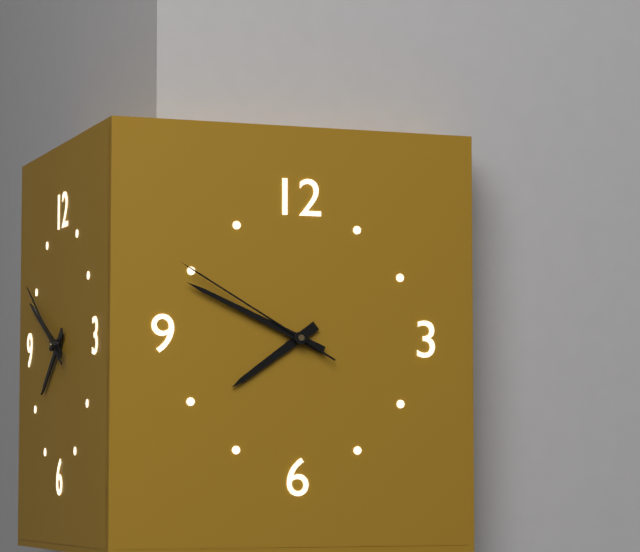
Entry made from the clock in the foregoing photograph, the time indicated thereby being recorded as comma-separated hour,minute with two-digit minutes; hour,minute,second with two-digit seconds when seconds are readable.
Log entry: 7,49,50
